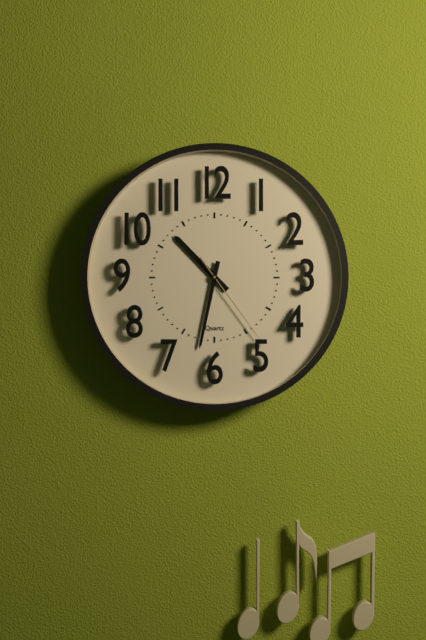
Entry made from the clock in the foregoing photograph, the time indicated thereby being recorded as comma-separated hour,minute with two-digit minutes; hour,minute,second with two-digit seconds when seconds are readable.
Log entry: 10,32,24
